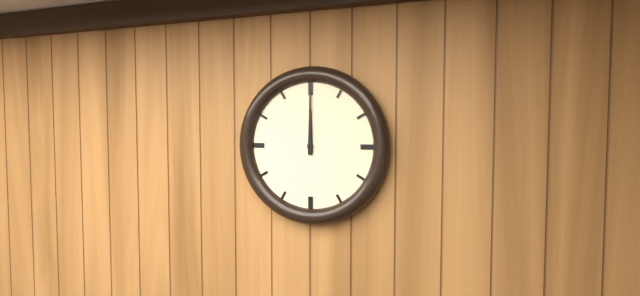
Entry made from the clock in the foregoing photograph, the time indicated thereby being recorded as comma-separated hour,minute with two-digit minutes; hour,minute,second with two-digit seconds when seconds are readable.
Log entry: 12,00
